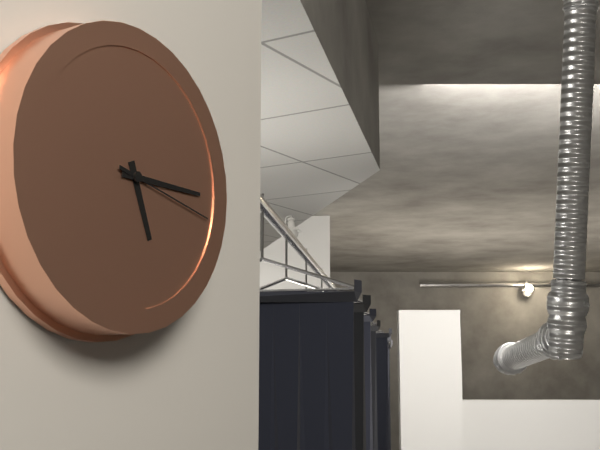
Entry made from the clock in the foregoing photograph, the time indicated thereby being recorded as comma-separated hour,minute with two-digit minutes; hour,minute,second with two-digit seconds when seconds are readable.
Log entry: 5,15,17
